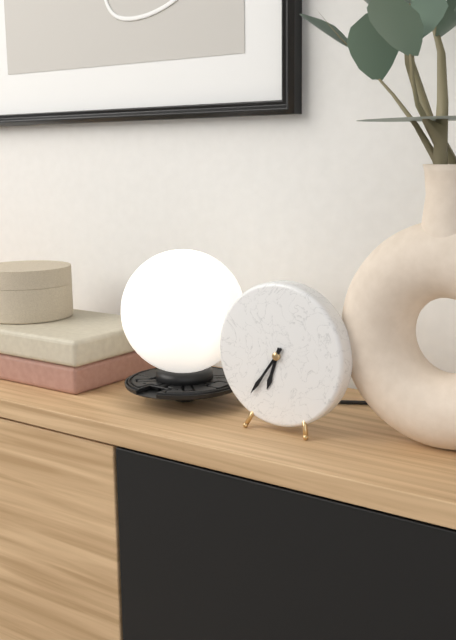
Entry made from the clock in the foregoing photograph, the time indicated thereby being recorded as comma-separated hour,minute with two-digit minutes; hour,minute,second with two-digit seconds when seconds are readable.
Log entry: 6,36
